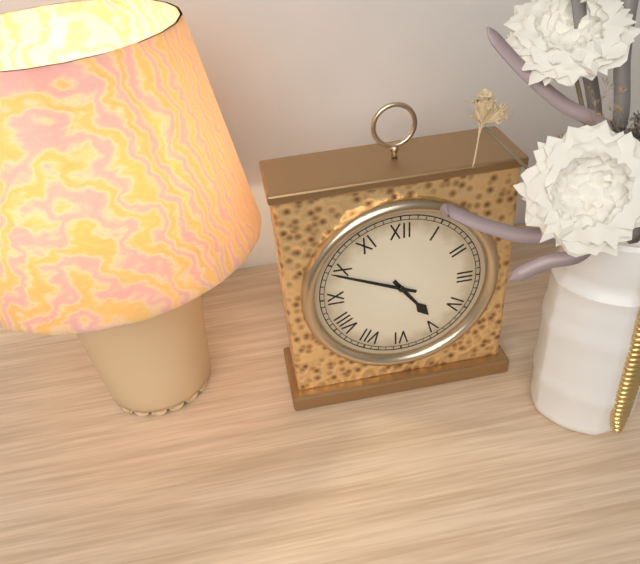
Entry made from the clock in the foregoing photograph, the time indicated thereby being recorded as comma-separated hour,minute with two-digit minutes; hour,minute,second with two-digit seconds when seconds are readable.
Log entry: 4,49
